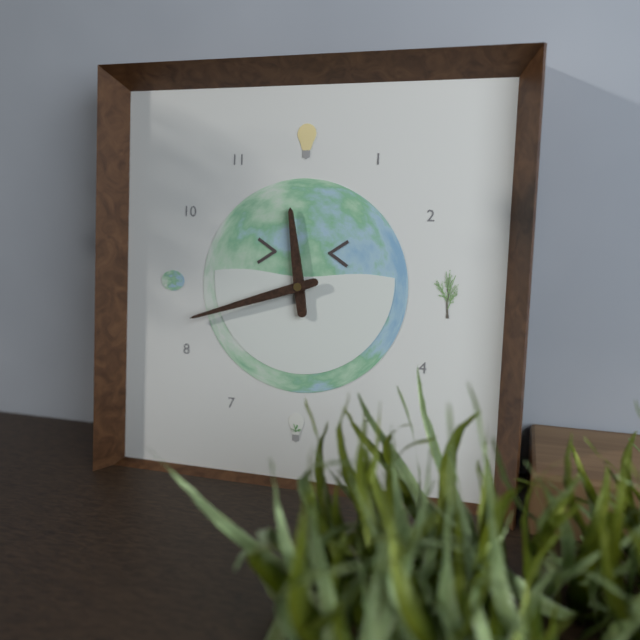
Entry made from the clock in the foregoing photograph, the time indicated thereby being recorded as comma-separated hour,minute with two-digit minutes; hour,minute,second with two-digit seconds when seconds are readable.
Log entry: 11,42
